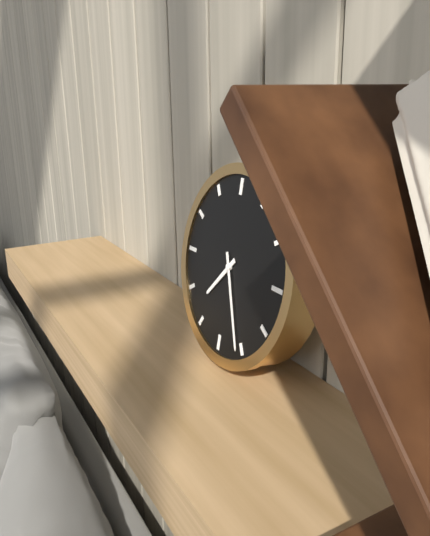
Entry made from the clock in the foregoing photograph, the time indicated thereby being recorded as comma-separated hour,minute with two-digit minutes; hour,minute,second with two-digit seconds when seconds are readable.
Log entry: 7,26
